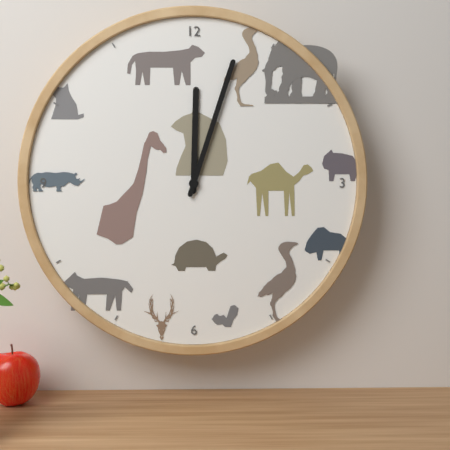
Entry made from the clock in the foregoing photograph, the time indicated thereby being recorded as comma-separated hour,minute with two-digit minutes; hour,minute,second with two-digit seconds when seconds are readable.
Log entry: 12,03
